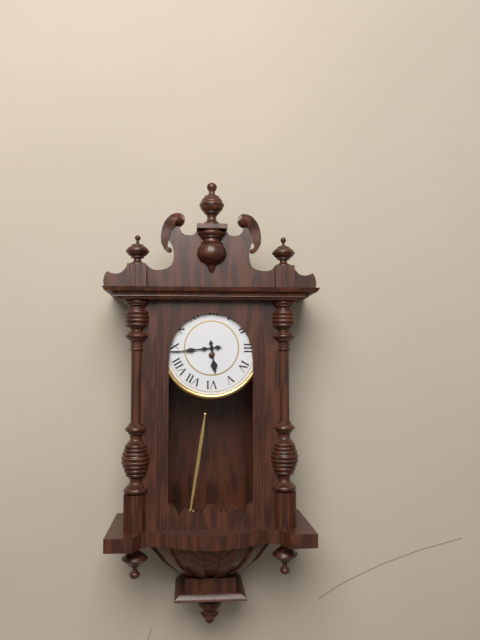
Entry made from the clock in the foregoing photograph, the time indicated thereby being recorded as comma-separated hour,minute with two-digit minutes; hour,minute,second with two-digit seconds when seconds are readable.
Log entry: 5,44
